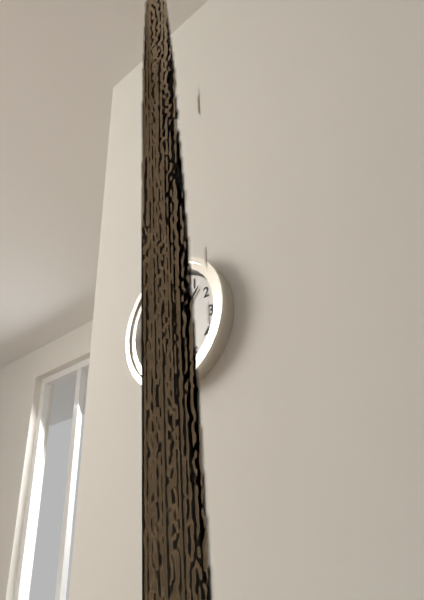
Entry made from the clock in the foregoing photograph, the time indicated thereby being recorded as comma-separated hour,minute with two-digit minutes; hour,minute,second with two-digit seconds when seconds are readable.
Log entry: 11,07
